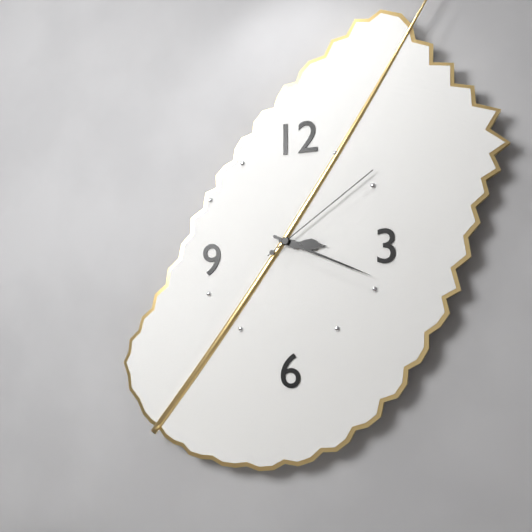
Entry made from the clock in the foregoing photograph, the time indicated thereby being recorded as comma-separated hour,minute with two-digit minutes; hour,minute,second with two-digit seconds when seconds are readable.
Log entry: 3,19,09
